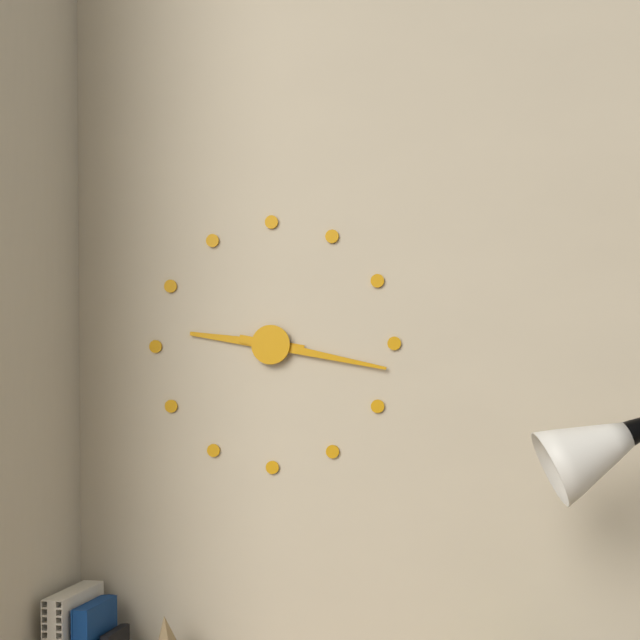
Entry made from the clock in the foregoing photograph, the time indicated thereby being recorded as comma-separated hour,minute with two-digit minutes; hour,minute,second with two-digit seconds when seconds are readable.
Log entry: 9,17
